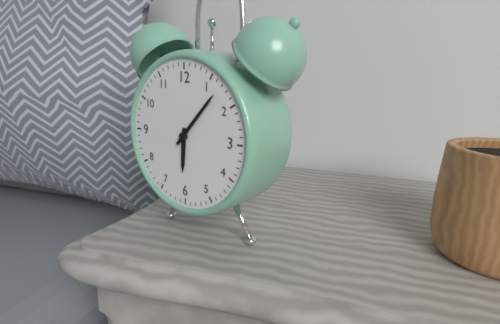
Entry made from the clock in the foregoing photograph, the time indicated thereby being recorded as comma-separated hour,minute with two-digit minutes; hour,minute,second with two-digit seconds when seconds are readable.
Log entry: 6,07
